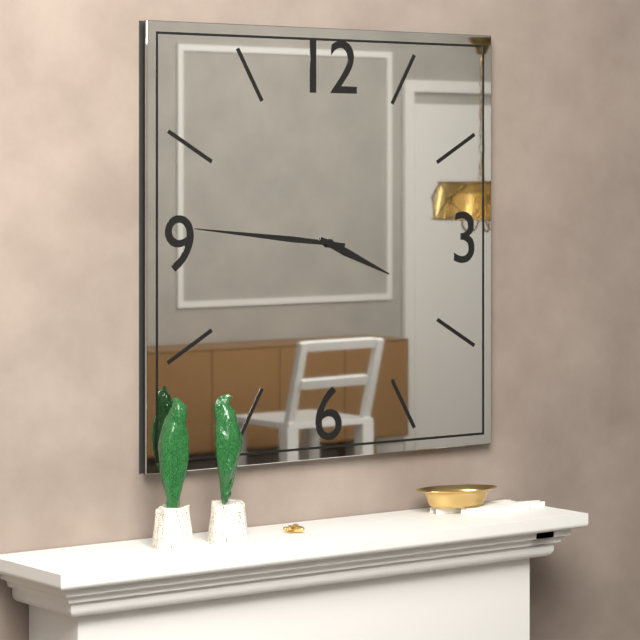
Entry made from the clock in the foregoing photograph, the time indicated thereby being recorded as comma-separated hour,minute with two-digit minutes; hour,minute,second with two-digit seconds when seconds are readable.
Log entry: 3,46
